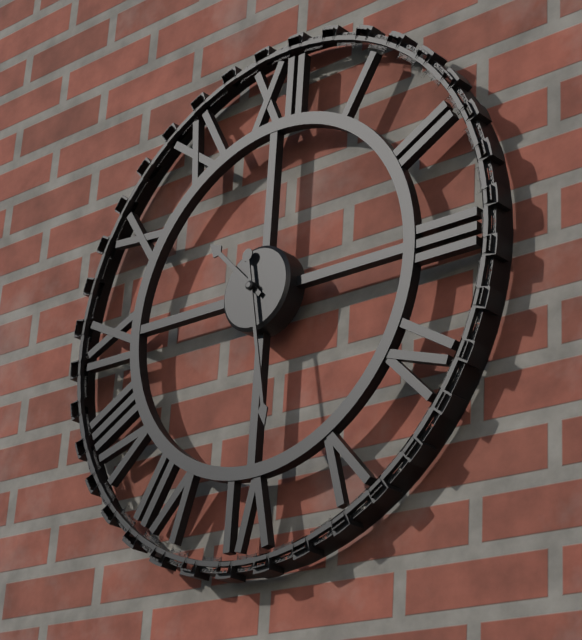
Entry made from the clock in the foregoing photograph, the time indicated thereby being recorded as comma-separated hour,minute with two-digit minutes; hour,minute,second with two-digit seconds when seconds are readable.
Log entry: 10,28
